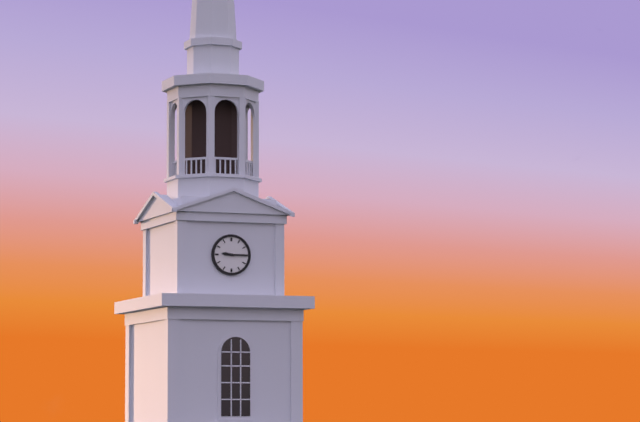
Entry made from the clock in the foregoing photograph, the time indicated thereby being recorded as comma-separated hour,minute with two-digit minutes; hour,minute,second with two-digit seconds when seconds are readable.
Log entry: 9,15
